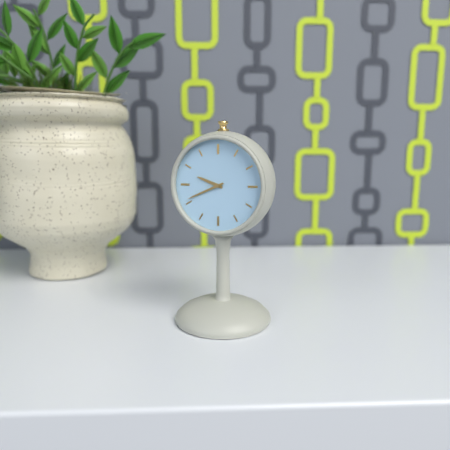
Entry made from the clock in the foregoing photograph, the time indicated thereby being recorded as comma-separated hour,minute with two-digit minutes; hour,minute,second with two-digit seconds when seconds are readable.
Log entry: 9,41
